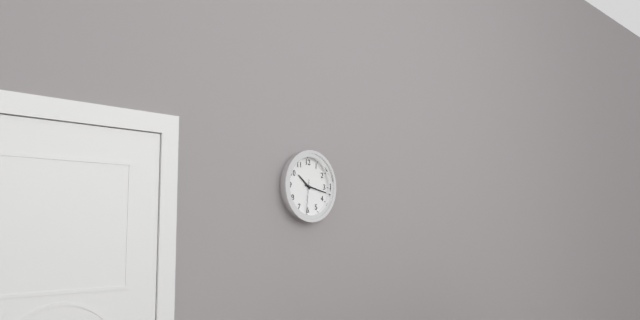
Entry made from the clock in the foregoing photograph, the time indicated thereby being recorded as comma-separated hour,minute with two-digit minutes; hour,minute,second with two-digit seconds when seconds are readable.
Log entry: 10,17
